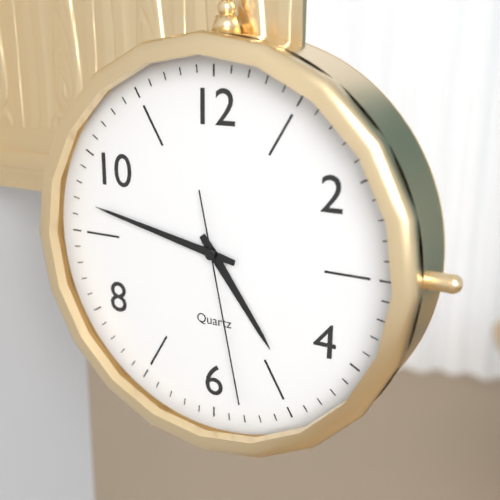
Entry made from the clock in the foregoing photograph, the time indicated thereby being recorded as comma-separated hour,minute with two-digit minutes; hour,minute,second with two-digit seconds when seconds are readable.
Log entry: 4,47,28
